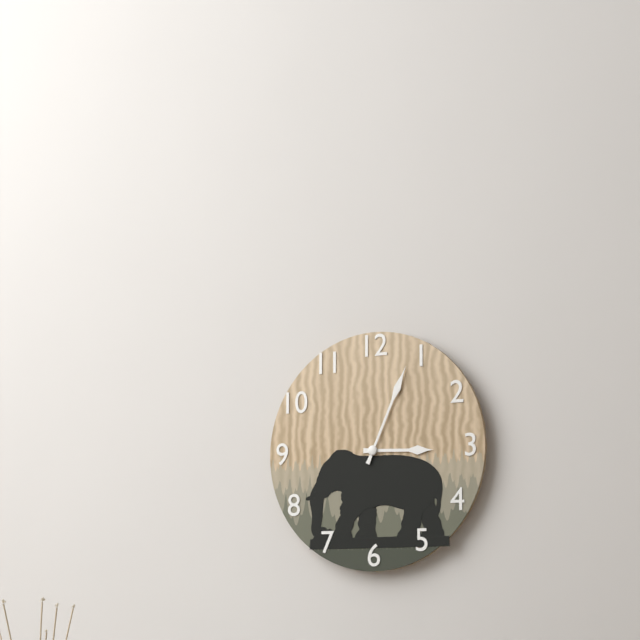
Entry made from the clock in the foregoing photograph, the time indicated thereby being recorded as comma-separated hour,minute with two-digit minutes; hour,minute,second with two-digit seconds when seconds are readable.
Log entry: 3,04
